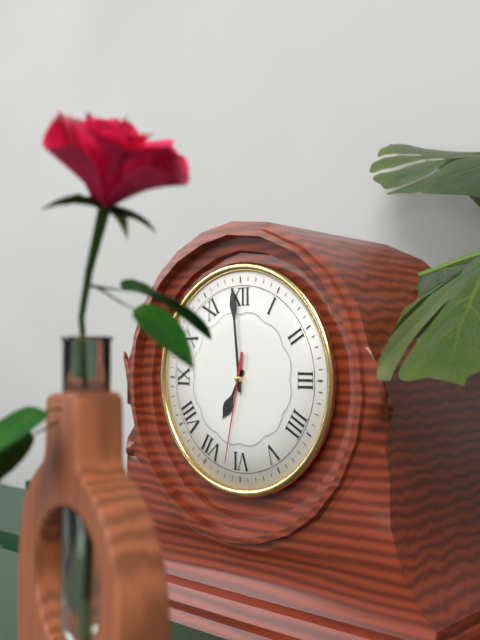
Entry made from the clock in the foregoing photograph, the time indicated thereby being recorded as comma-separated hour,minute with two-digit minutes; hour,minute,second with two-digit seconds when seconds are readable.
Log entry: 6,59,32
